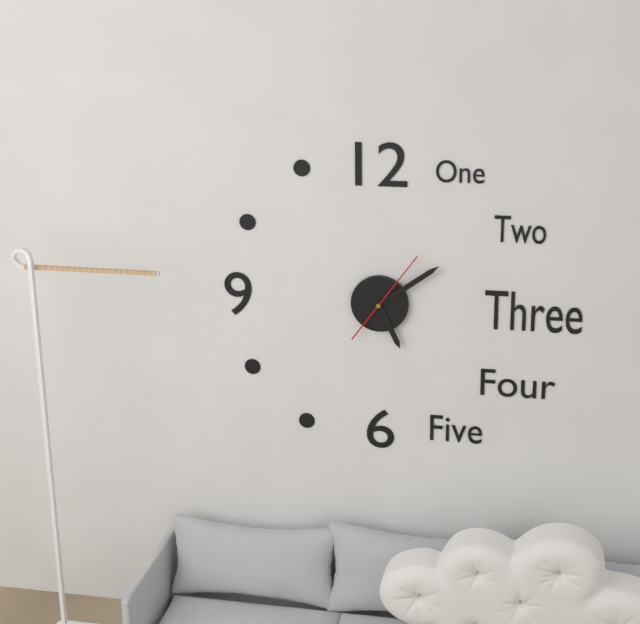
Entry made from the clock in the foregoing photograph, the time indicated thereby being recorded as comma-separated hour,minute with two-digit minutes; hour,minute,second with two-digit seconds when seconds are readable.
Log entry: 5,09,06
